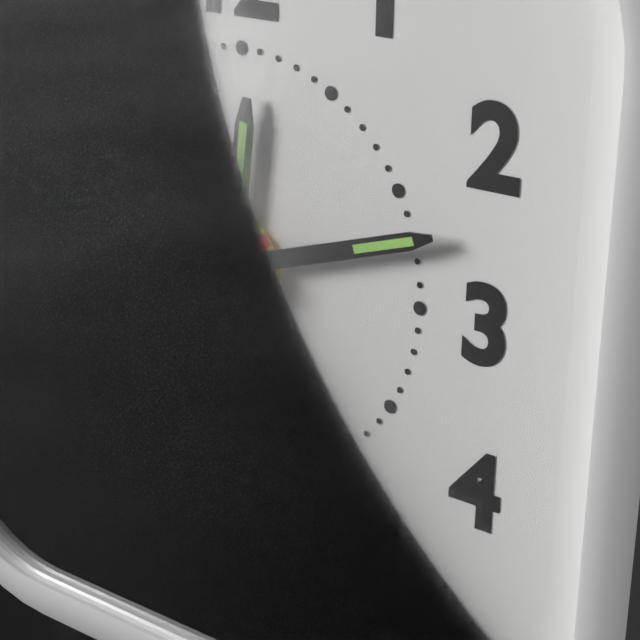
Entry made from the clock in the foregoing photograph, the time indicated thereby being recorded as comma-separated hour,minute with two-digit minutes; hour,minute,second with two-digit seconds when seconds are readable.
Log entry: 12,12,39
